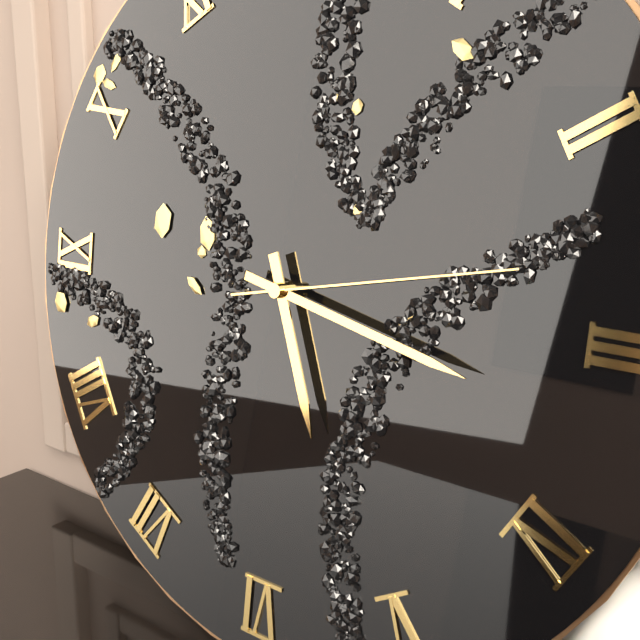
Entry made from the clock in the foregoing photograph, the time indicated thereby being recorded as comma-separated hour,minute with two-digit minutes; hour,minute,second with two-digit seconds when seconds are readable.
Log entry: 5,17,13
